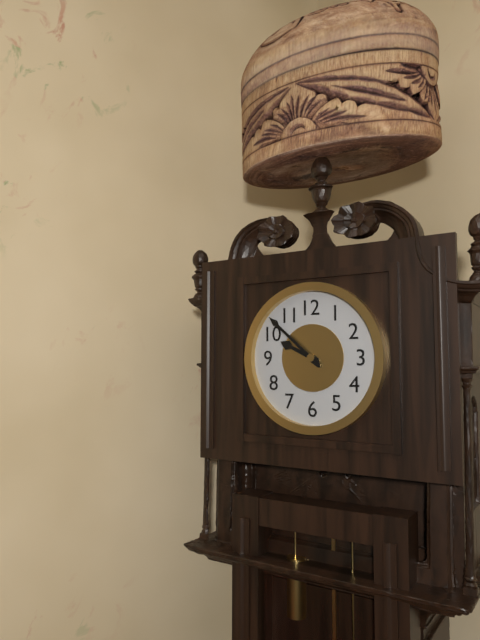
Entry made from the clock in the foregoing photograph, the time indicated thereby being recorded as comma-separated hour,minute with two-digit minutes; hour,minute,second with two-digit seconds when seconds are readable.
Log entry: 9,52
